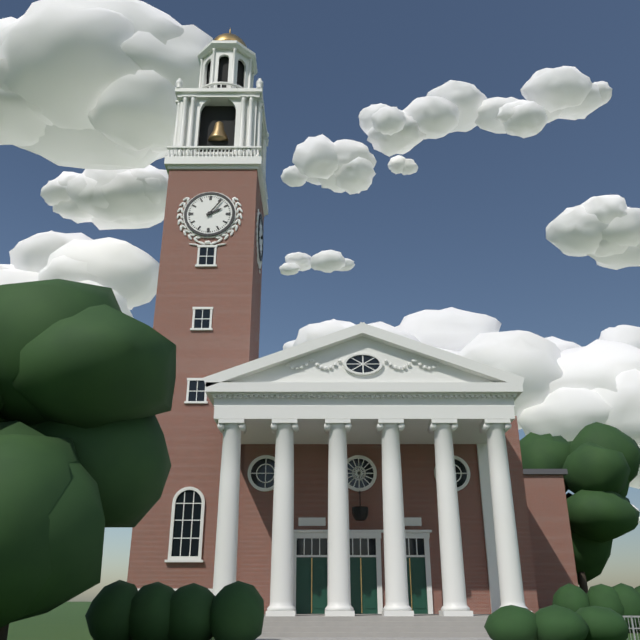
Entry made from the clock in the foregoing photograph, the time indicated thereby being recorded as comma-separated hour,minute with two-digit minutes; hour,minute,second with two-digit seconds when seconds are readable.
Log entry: 2,06
